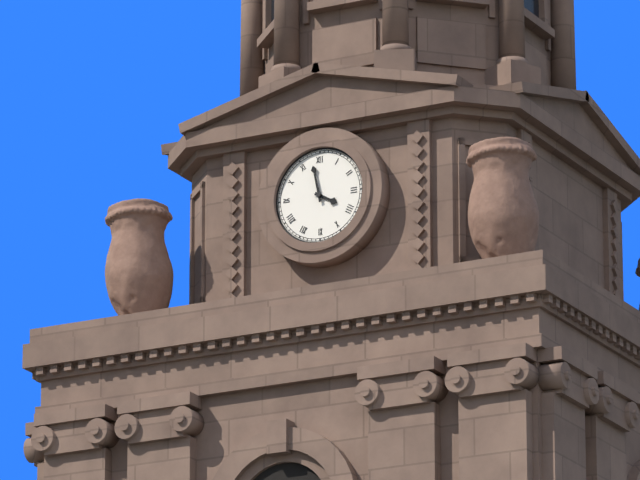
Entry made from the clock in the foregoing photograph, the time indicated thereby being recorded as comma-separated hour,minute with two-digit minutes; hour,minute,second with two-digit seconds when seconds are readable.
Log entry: 3,58
